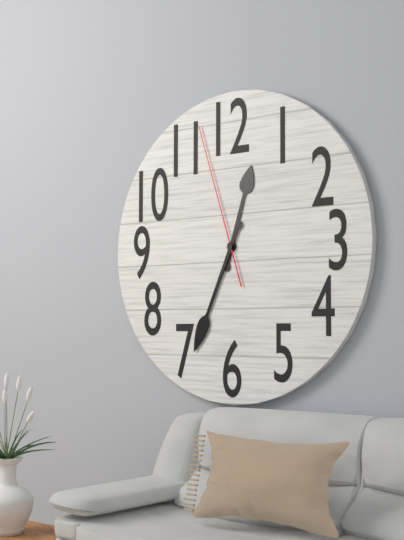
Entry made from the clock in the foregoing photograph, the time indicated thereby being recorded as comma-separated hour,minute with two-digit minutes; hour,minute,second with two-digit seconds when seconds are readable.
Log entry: 12,34,57
